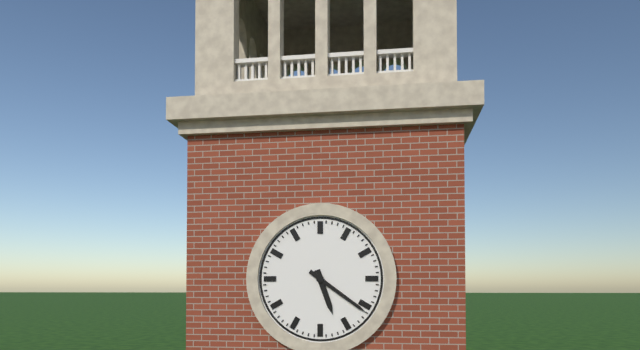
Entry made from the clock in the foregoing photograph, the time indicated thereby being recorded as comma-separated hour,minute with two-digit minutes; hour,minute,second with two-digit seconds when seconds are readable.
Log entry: 5,21
